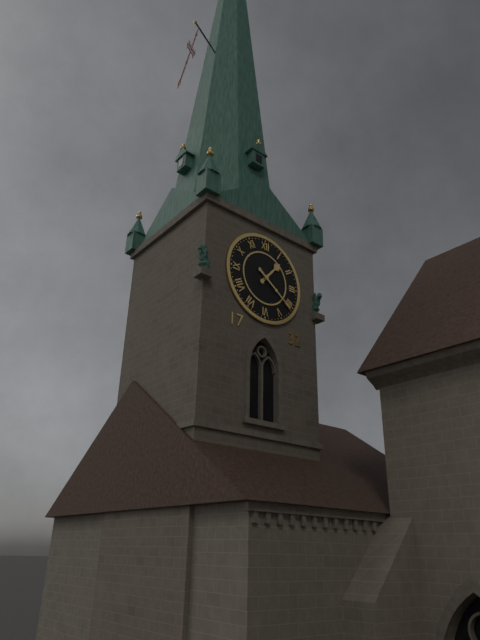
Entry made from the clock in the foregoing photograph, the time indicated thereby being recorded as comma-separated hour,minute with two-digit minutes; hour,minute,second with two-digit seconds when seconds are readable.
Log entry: 1,21
